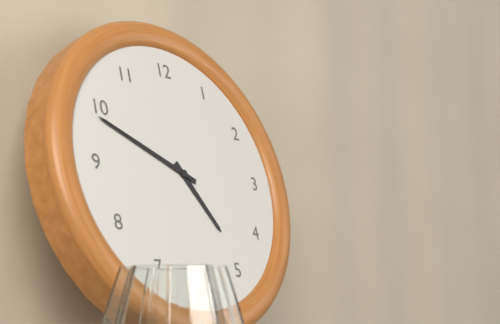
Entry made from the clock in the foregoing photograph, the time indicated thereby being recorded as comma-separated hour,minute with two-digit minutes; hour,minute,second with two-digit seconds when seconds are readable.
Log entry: 4,49
